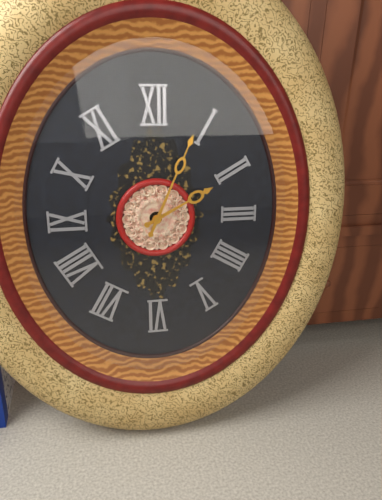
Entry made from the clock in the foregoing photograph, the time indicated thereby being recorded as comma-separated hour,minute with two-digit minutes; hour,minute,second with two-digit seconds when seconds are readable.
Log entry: 2,04
